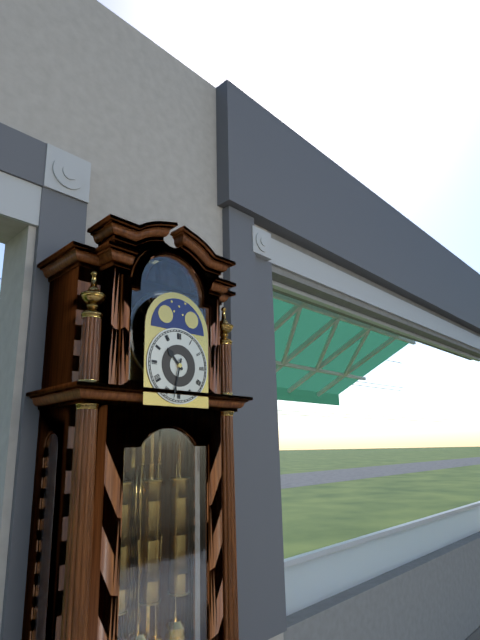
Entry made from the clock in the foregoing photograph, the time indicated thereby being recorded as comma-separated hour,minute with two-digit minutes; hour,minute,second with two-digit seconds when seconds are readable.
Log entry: 10,32
